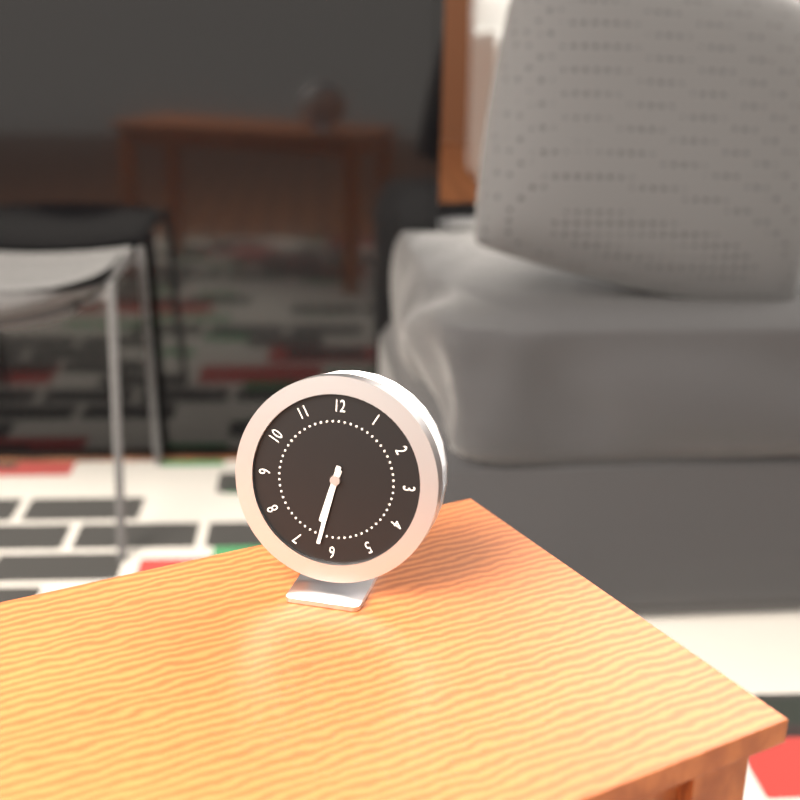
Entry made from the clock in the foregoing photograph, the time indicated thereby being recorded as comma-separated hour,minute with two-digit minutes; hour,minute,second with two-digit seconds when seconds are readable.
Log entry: 6,32
